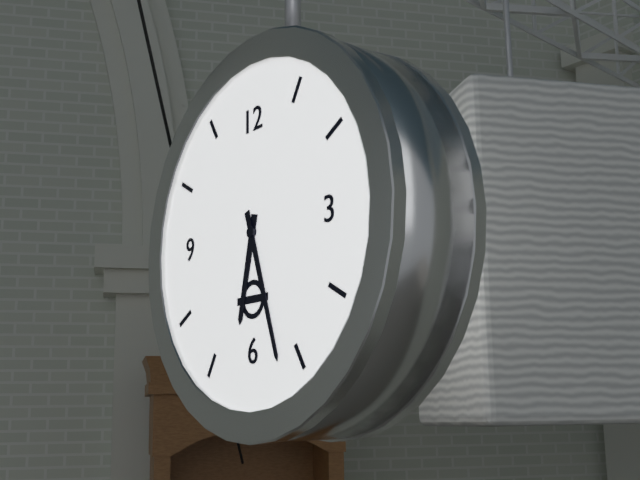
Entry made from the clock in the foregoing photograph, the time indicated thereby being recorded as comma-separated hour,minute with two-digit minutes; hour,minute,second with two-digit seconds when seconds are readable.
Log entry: 6,27
